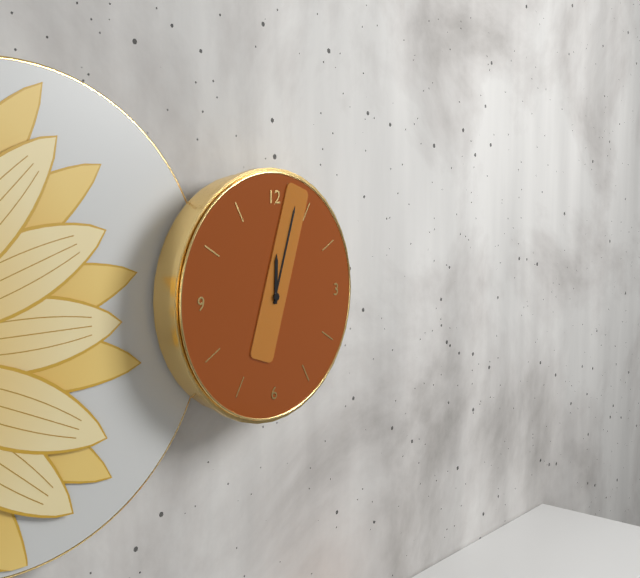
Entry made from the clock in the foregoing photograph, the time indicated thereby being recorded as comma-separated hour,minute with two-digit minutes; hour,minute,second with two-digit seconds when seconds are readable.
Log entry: 12,03
